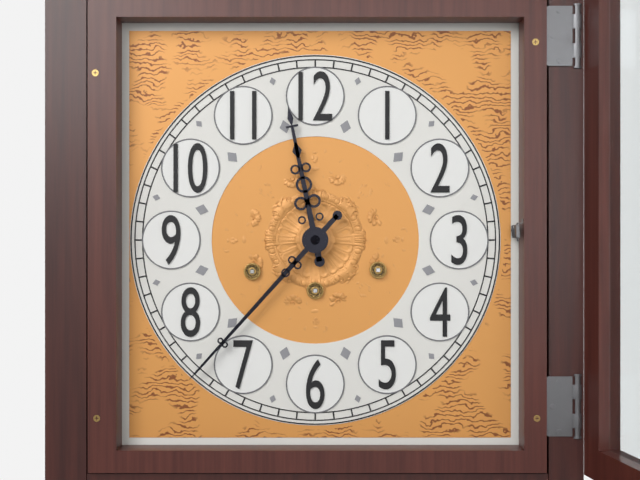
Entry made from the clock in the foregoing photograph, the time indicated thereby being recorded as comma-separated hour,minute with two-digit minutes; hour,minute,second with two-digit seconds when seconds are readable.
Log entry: 11,37
